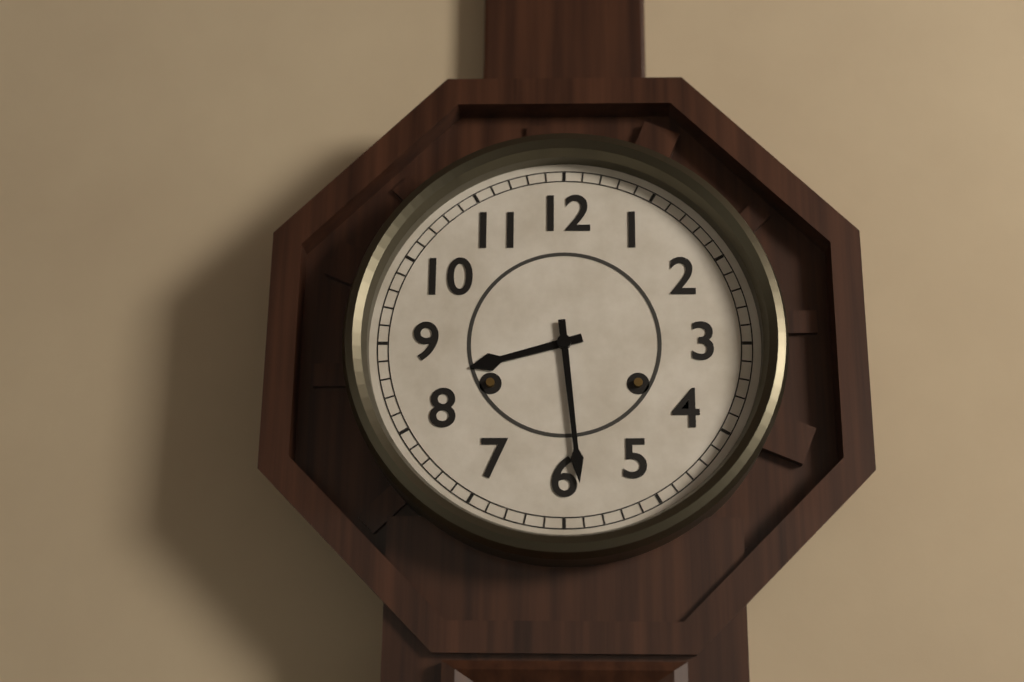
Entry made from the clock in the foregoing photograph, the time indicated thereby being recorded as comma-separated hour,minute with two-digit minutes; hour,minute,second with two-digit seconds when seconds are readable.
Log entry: 8,29
